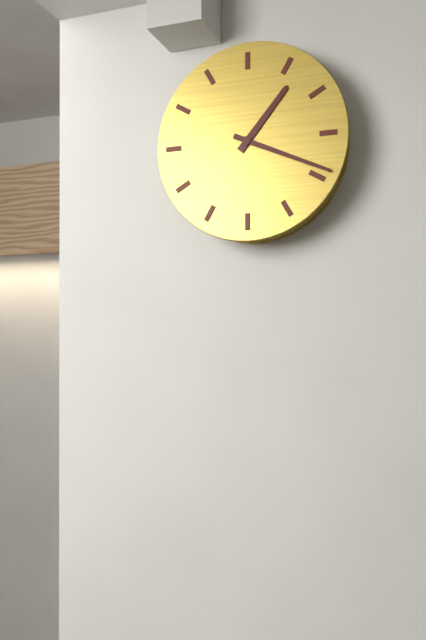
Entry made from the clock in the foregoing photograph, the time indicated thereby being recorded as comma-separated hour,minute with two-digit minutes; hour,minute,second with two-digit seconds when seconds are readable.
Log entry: 1,19
